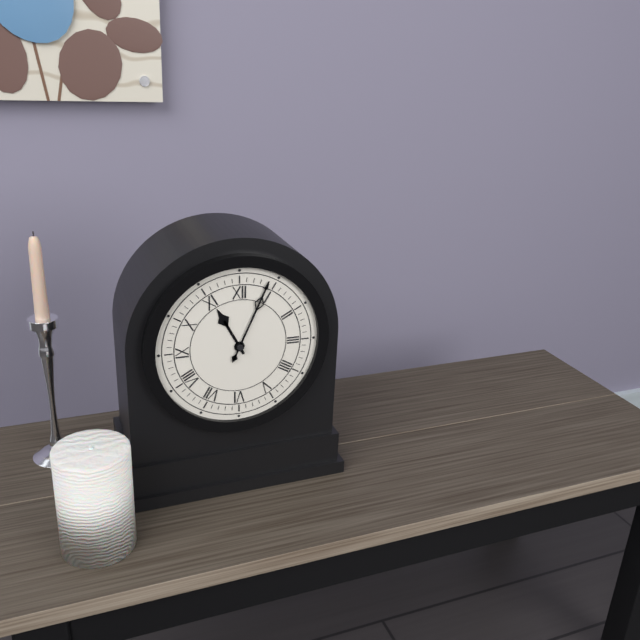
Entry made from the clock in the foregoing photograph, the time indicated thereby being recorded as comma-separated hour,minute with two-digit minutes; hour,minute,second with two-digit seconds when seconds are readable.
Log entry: 11,04
